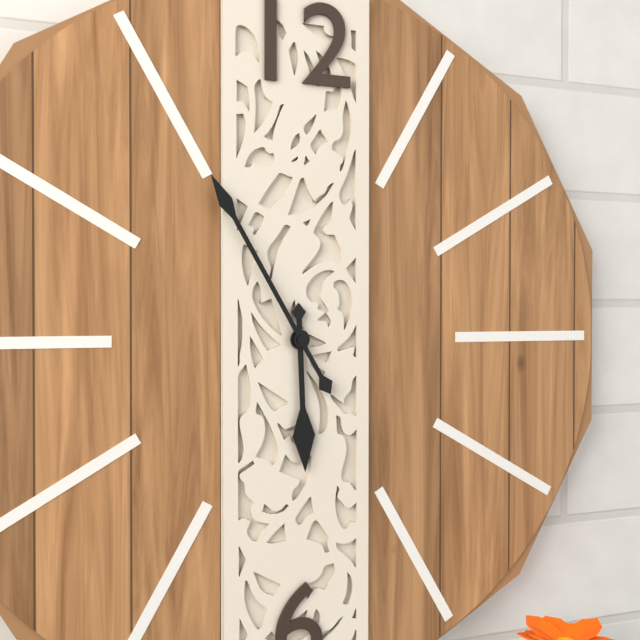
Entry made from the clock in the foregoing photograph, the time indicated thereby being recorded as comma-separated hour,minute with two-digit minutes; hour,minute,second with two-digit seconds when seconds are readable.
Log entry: 5,55
